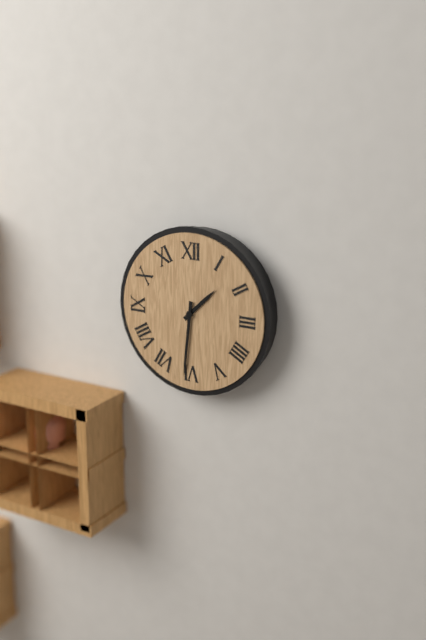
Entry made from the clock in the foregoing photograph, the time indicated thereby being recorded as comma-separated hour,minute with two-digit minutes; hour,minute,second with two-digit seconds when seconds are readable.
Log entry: 1,31
